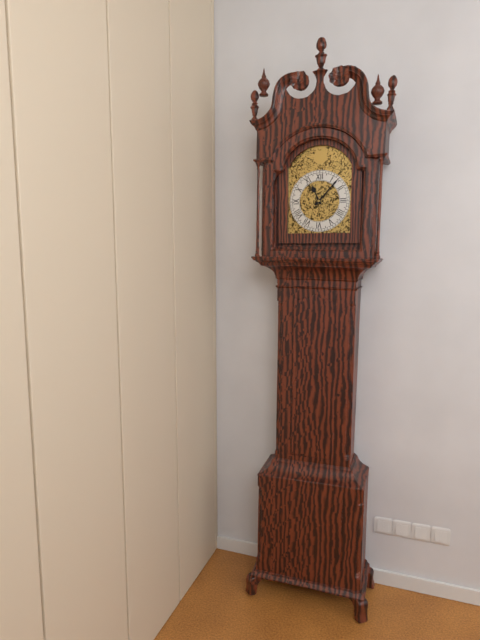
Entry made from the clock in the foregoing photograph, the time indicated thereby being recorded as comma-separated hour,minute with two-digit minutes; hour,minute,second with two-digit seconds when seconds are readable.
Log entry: 11,07
